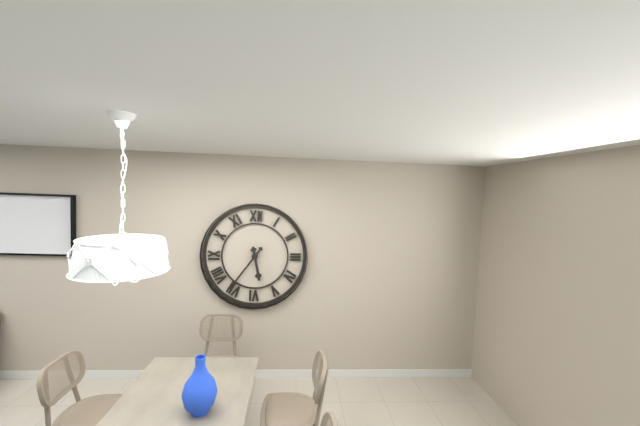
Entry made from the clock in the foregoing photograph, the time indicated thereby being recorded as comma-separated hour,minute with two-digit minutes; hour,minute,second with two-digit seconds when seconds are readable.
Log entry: 5,36
